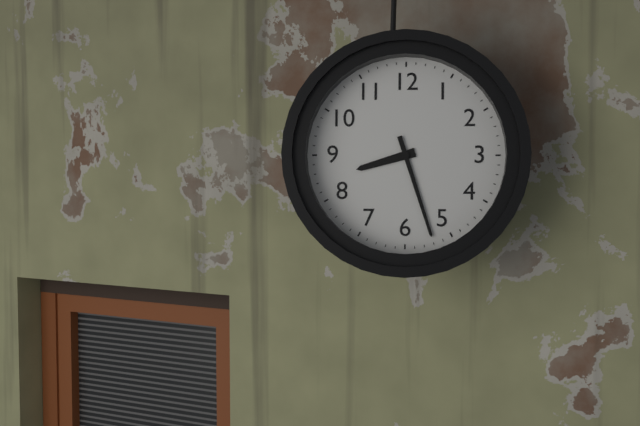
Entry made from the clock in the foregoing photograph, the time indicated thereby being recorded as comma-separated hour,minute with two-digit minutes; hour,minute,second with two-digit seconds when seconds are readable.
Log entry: 8,27
